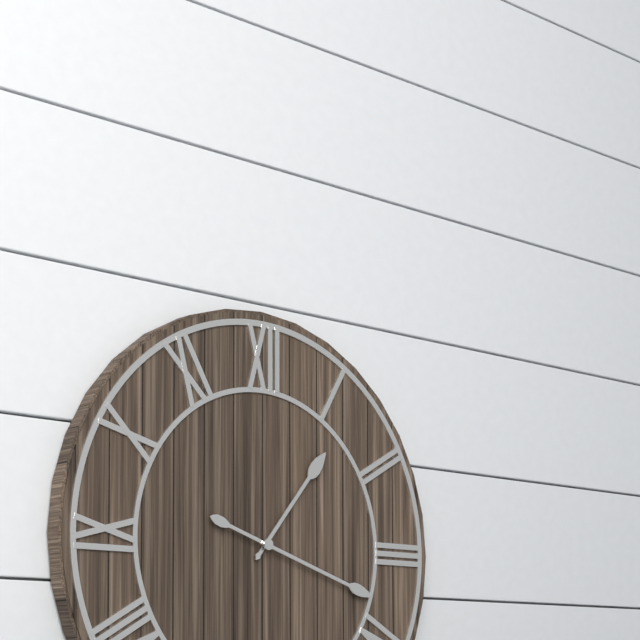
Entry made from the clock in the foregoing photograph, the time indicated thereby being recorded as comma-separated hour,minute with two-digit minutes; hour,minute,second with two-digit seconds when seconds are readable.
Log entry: 1,18
